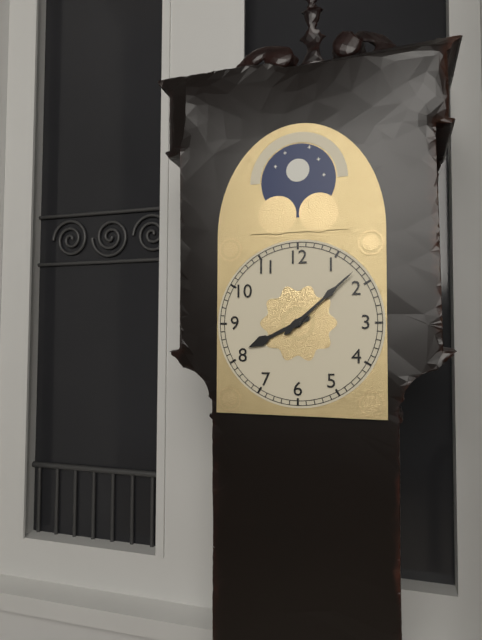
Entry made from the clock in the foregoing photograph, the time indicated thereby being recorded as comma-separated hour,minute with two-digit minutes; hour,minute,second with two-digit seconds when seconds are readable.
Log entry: 8,08
